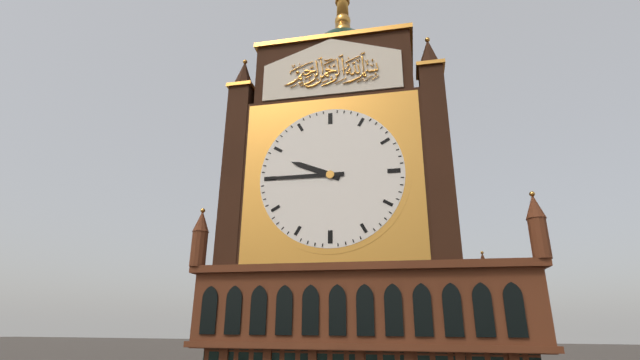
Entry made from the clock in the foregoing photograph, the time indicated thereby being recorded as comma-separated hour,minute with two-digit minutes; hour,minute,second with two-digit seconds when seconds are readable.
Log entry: 9,45
